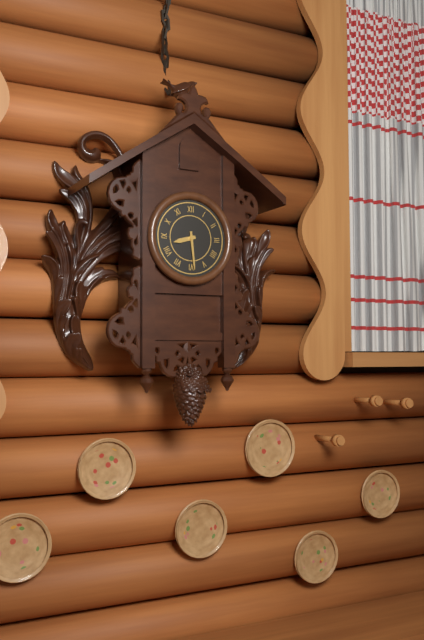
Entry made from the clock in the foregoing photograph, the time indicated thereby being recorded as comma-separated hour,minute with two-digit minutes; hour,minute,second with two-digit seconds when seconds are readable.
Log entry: 8,29
